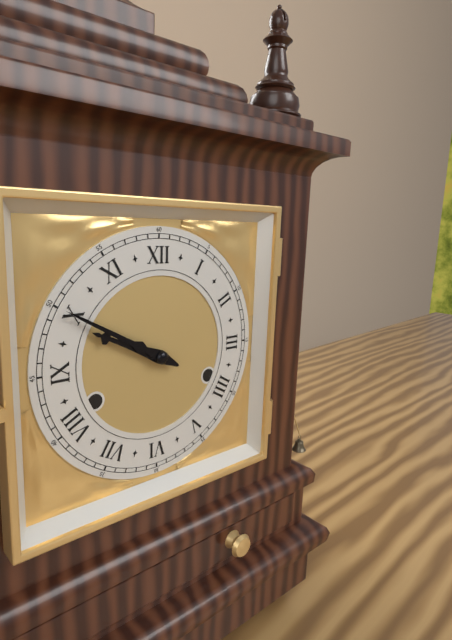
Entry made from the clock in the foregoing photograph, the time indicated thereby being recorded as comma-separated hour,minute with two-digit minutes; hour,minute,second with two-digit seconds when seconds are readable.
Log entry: 9,50
